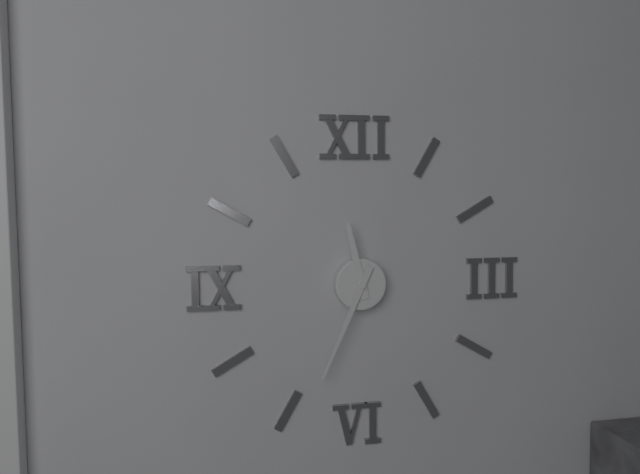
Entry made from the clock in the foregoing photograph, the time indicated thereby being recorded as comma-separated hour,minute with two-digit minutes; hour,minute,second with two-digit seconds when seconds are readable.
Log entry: 11,34
